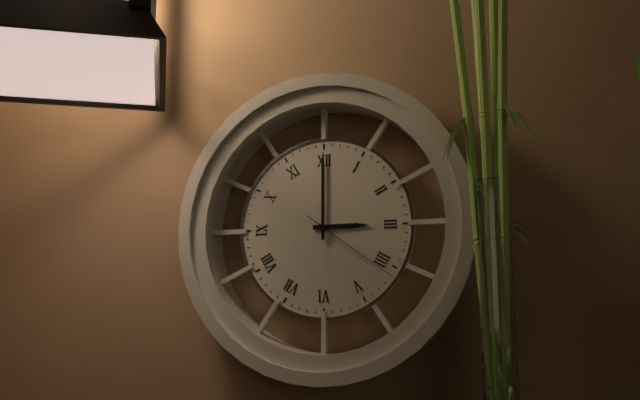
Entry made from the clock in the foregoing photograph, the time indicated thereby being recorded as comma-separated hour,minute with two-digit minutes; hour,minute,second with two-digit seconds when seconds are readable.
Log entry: 3,00,21
